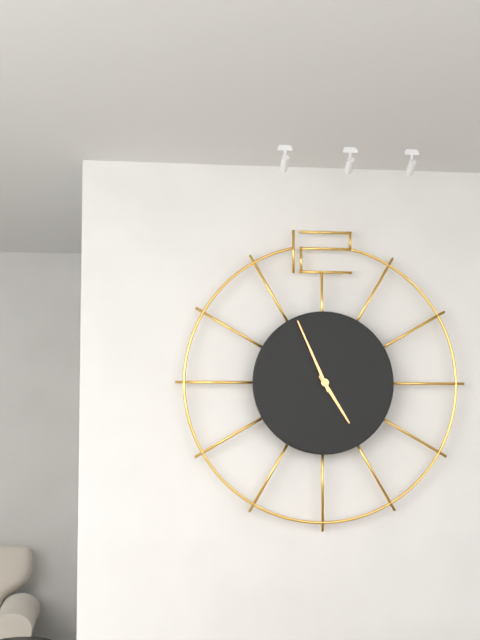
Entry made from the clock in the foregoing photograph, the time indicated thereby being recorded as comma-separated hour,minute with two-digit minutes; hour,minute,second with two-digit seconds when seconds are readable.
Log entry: 4,56
